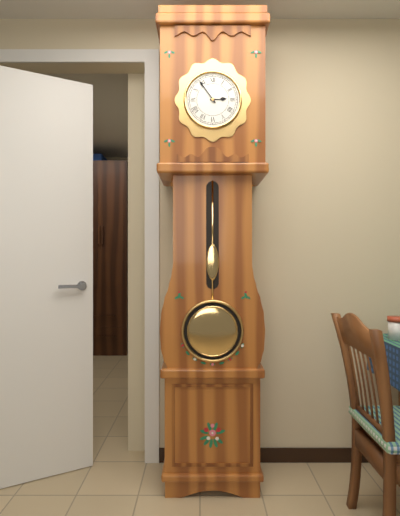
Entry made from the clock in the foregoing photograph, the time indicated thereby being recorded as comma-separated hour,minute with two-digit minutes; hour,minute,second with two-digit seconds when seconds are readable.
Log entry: 2,54
